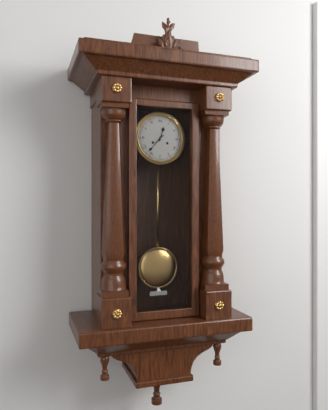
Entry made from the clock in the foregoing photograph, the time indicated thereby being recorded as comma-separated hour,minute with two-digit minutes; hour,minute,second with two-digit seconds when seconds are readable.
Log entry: 12,37
